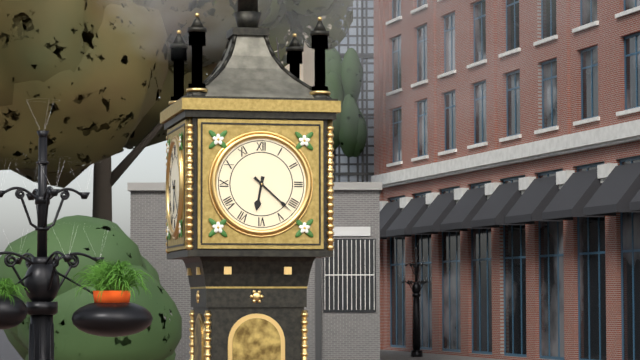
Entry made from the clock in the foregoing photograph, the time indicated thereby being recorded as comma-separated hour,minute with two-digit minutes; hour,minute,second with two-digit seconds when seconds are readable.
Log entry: 6,22
